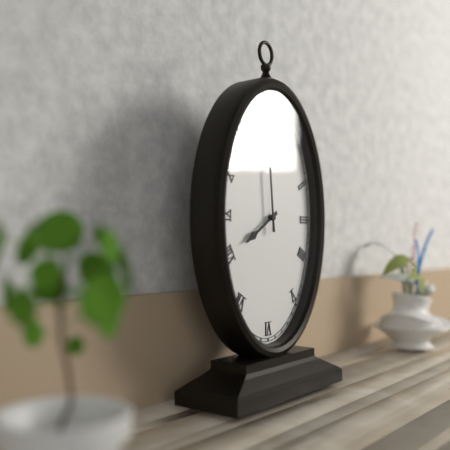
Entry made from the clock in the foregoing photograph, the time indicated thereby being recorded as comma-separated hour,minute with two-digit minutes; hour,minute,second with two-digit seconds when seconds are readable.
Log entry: 7,59
